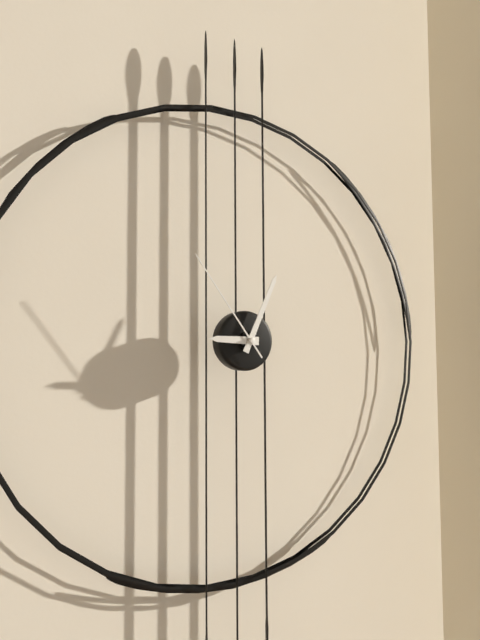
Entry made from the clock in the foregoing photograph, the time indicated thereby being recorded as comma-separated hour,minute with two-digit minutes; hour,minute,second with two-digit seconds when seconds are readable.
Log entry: 9,04,54
